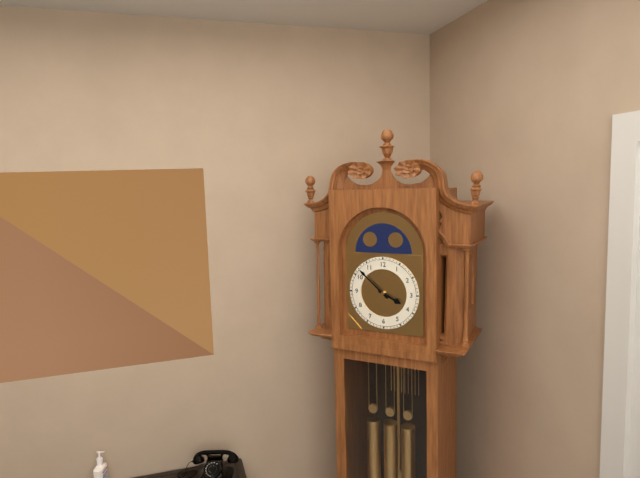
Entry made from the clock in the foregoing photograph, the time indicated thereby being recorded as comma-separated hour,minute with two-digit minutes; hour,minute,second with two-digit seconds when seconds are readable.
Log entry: 3,52
